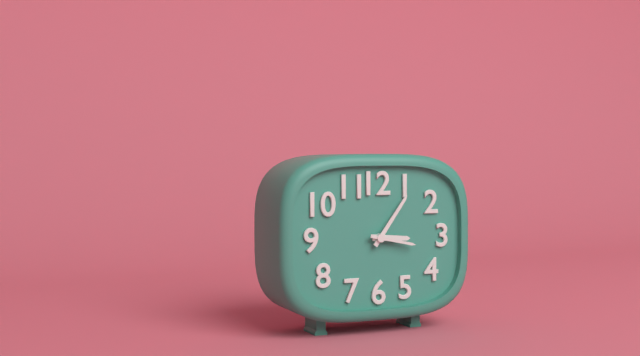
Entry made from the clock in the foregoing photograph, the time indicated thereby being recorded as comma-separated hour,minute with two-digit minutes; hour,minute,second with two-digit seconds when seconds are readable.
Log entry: 3,06,17
